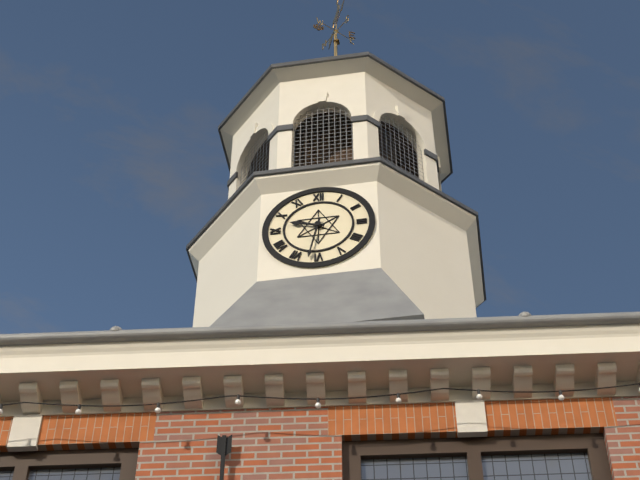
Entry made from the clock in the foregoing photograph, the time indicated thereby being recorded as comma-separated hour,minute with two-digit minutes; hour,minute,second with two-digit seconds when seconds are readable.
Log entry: 9,32
